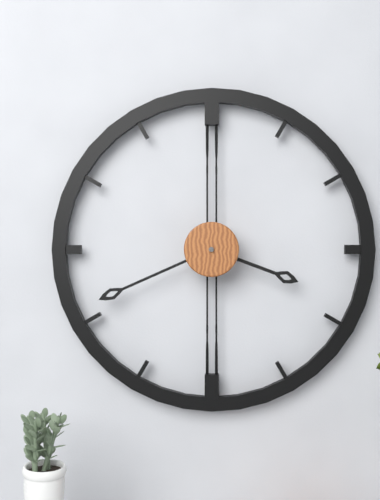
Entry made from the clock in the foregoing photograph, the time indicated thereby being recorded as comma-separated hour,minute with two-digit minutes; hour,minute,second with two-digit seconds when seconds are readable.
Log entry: 3,41
